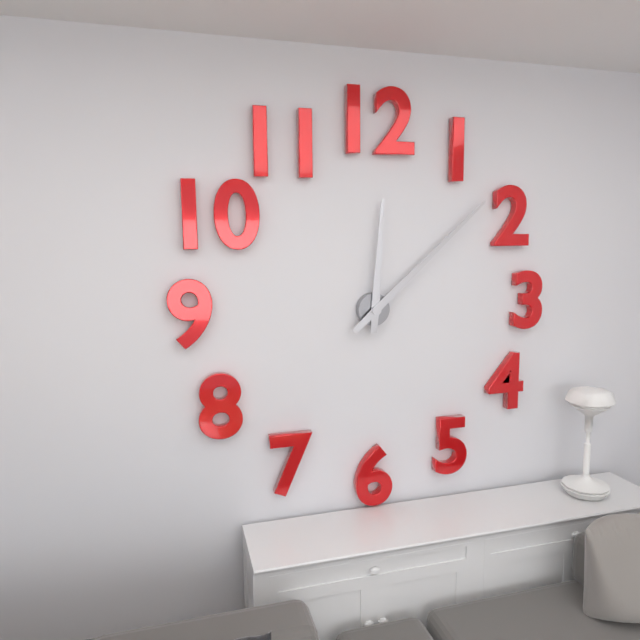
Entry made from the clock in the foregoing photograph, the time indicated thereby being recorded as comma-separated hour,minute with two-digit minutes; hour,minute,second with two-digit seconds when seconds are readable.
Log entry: 12,08
